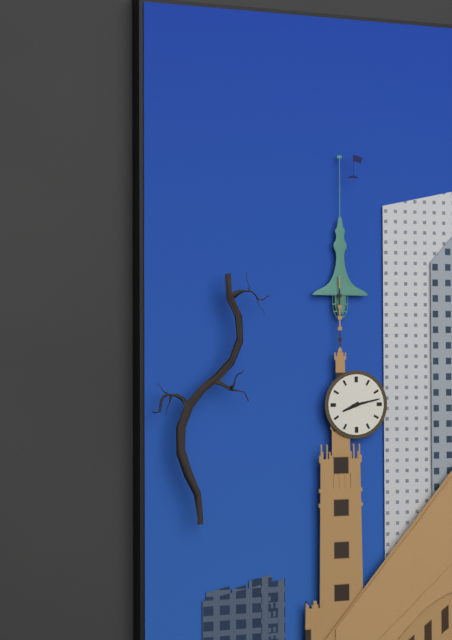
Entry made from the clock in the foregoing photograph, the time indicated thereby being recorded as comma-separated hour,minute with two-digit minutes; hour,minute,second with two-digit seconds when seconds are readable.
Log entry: 8,13
